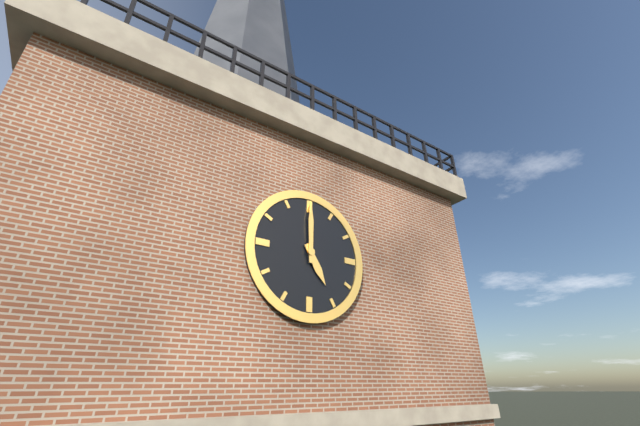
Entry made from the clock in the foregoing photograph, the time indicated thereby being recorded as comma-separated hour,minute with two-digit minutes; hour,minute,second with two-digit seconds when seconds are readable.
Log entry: 5,00
